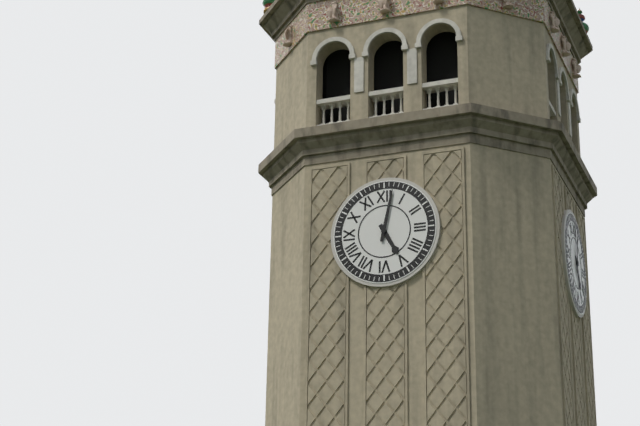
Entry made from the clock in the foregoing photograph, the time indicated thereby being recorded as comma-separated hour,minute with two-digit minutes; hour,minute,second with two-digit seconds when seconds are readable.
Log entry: 5,02
